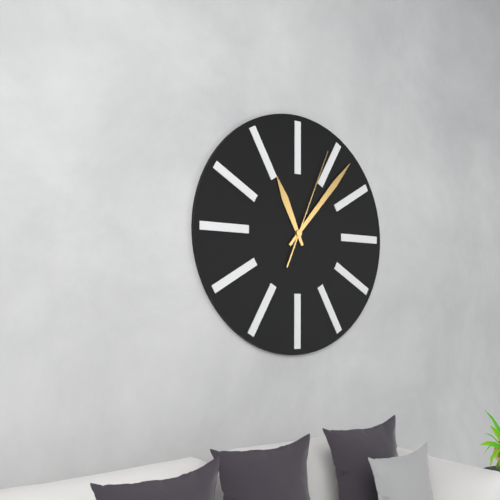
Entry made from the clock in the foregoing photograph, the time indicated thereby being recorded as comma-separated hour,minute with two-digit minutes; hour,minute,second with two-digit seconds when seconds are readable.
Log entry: 11,07,04
